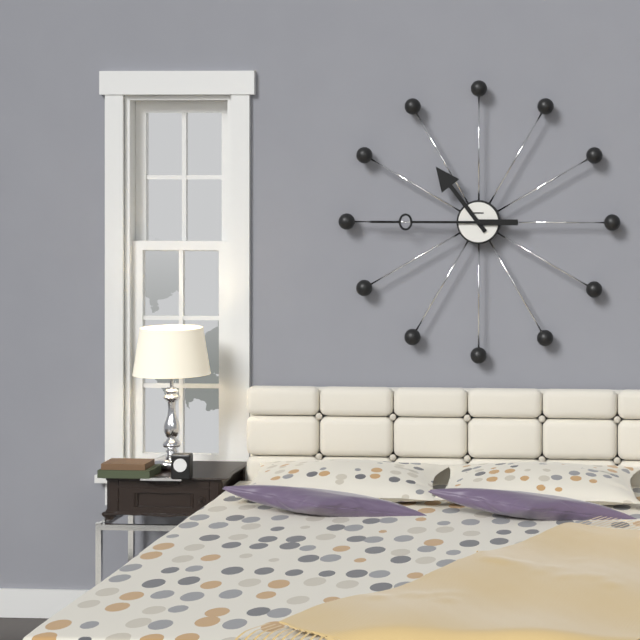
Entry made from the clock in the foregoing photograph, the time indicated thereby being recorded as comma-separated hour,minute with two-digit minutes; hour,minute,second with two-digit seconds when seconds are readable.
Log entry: 10,45
